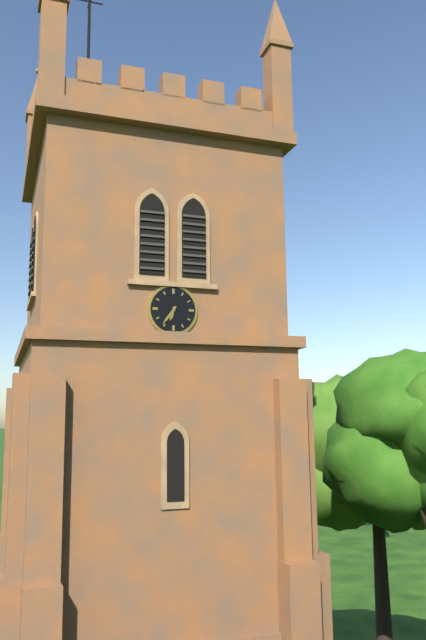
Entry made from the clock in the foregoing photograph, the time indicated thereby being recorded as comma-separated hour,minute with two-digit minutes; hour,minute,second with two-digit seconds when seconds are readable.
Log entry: 6,36
